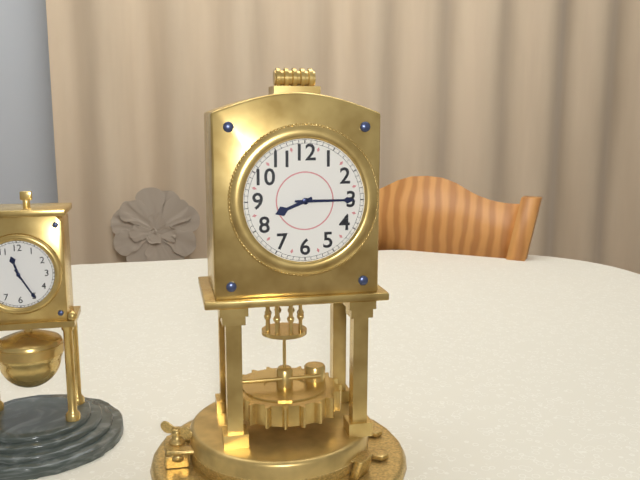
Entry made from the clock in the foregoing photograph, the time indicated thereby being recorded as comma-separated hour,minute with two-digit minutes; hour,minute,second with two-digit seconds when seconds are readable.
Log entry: 8,15
